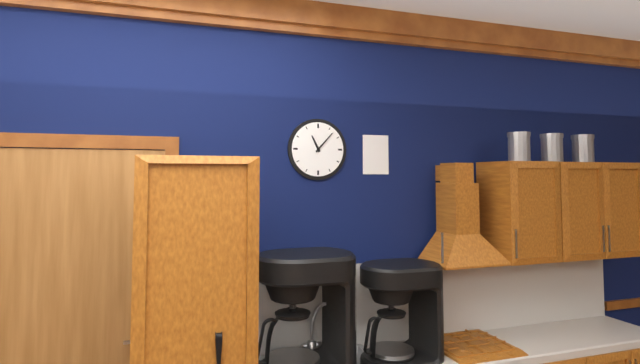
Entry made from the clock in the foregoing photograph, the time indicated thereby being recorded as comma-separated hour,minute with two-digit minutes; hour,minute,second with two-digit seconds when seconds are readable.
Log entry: 11,07
